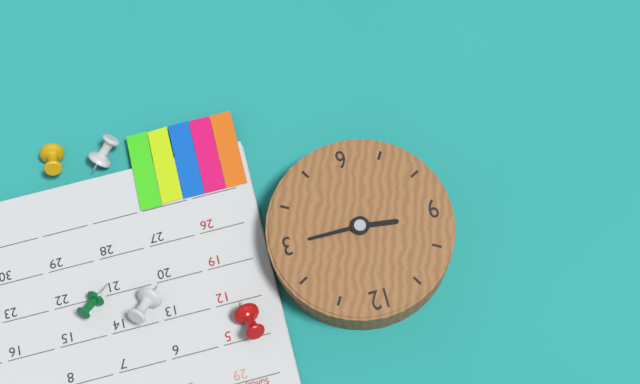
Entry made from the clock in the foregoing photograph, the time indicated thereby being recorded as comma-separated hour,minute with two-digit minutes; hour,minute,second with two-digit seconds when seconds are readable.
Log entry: 9,15
